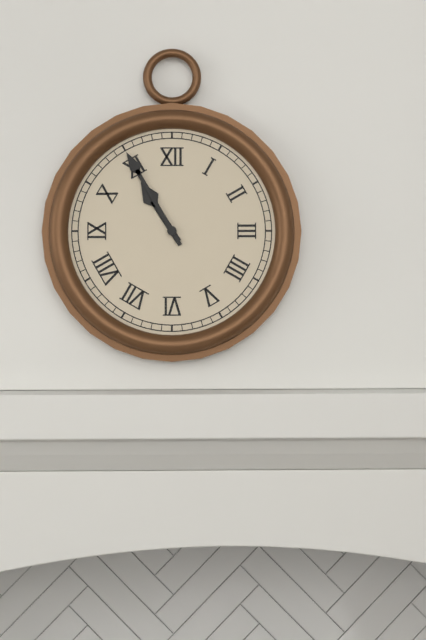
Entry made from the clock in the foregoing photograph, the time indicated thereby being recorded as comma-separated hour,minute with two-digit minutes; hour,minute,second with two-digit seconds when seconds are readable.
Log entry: 10,55
